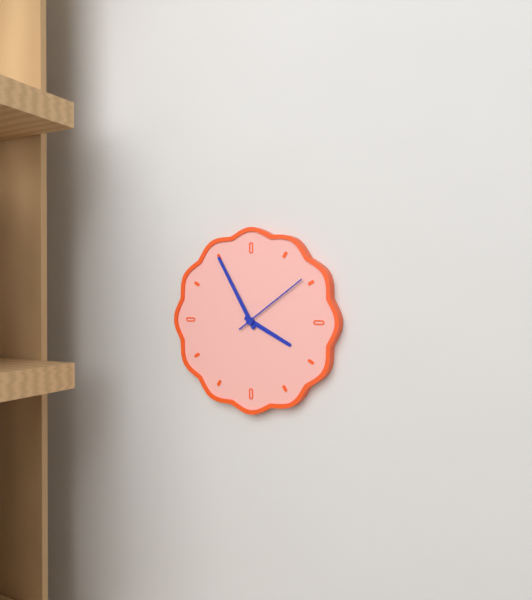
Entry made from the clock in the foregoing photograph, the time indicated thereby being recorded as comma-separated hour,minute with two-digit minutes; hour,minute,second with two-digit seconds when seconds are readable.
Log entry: 3,55,09
